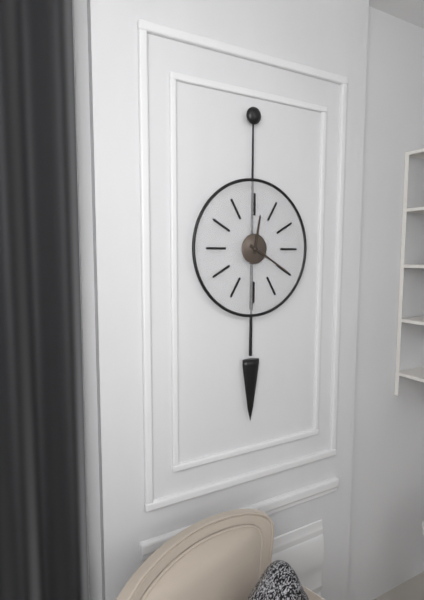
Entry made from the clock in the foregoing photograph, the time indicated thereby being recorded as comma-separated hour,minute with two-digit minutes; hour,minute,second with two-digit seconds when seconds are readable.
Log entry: 12,20
